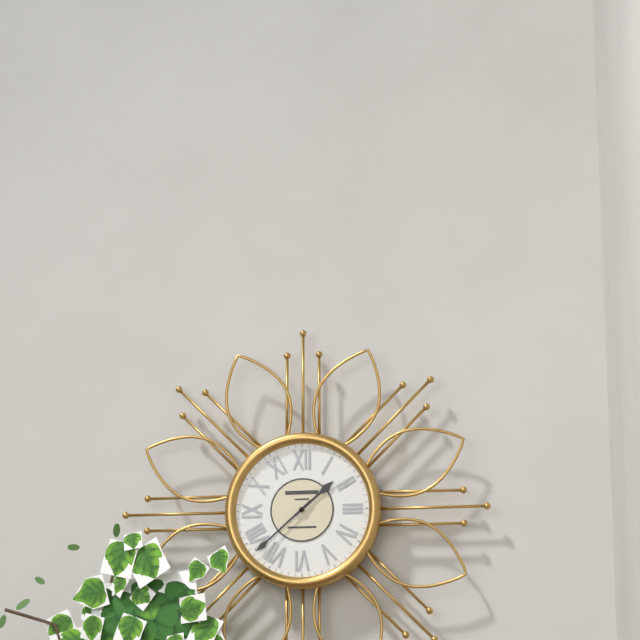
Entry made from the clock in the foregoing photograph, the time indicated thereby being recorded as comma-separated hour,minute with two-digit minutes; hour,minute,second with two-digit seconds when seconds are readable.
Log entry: 1,38
